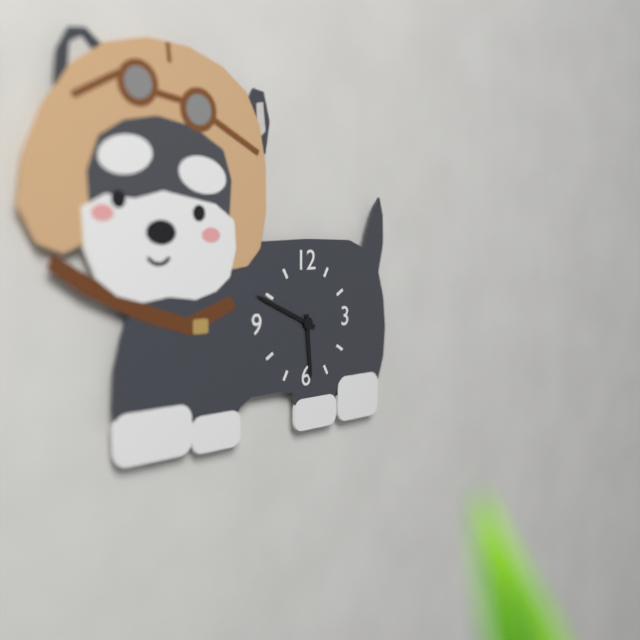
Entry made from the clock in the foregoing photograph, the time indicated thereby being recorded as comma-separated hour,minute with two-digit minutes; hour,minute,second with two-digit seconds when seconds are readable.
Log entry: 5,49
